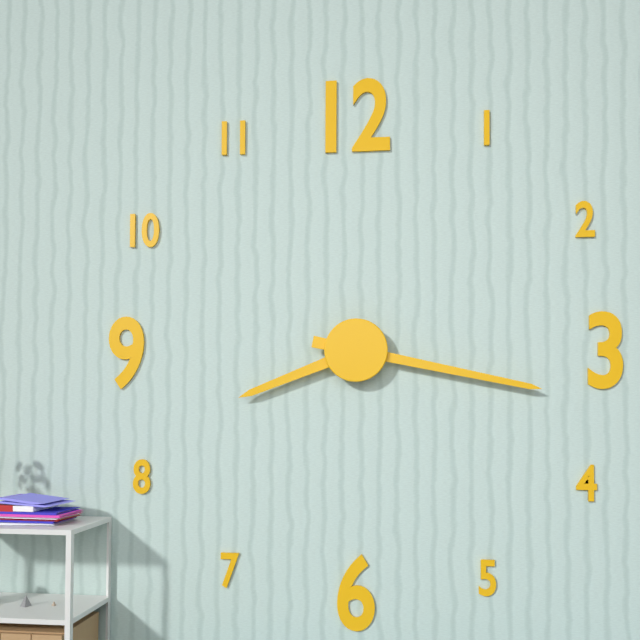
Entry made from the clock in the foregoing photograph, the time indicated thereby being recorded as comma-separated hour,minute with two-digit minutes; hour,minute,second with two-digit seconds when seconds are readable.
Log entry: 8,17
